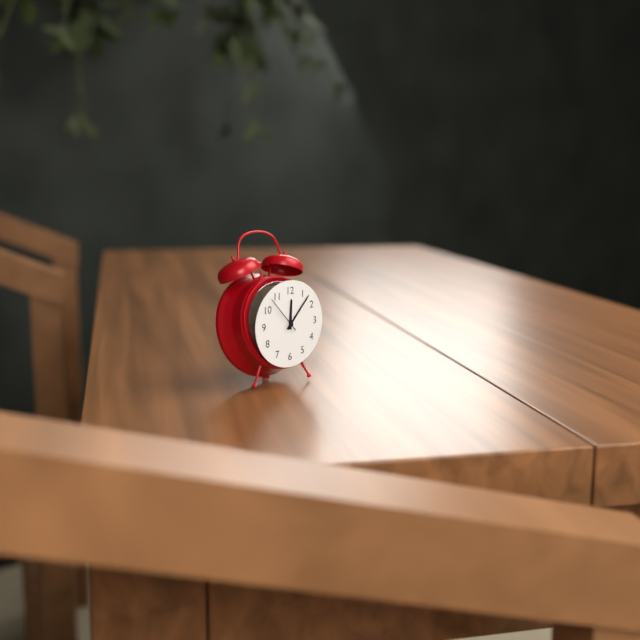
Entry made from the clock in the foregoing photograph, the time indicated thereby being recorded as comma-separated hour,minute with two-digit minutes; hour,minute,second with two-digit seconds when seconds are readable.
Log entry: 12,07
